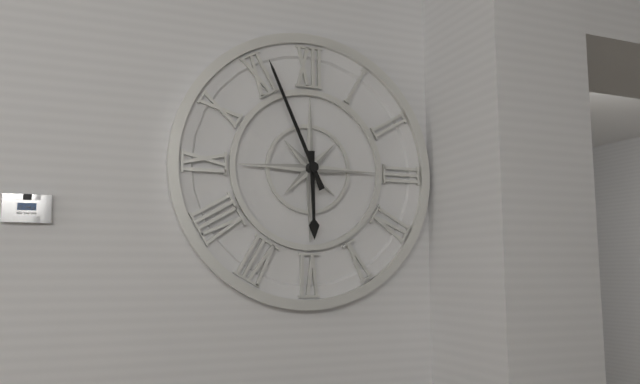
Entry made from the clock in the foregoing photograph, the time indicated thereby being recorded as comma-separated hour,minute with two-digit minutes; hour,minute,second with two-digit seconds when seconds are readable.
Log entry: 5,56
